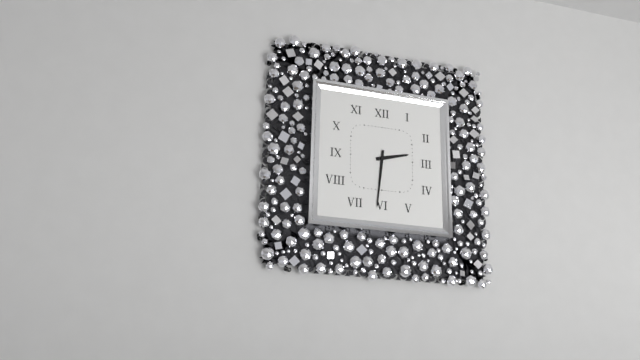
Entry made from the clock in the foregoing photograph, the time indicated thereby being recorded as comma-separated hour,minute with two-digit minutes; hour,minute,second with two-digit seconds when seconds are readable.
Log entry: 2,31
